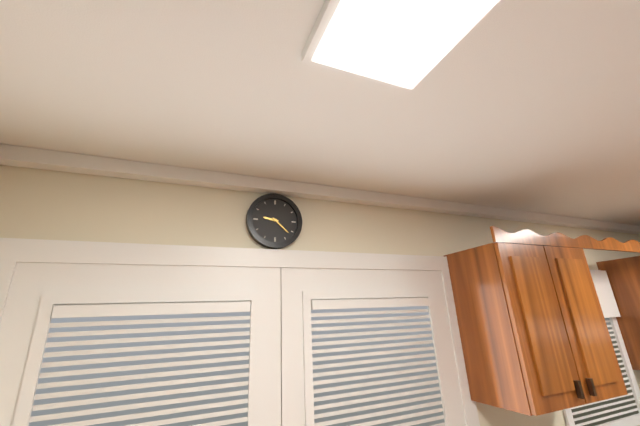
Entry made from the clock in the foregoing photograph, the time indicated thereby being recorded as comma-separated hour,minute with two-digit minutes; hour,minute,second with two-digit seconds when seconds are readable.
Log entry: 9,22
